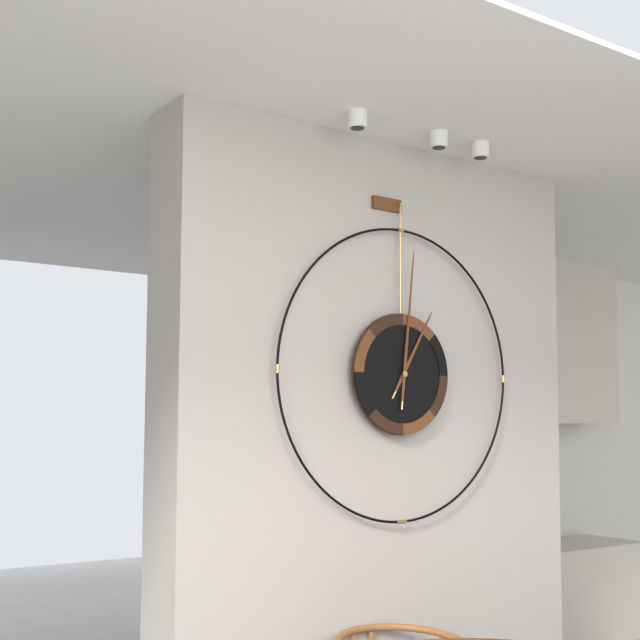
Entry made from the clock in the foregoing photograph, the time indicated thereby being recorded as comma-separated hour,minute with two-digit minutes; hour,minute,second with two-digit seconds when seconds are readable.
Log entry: 1,01
